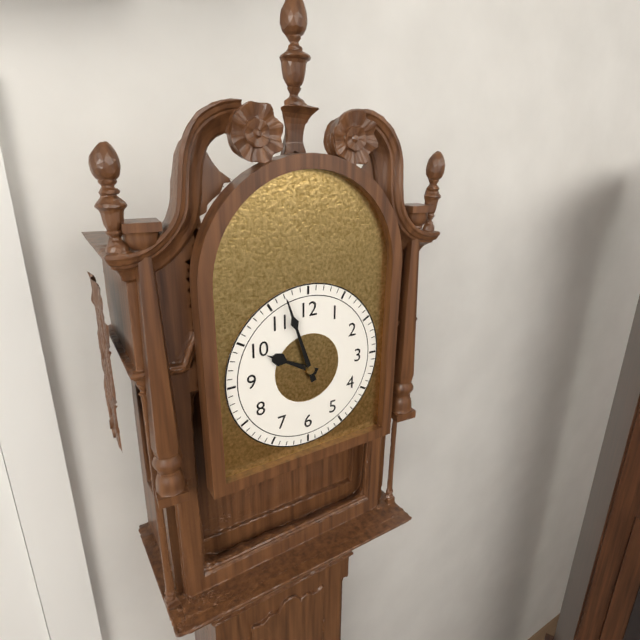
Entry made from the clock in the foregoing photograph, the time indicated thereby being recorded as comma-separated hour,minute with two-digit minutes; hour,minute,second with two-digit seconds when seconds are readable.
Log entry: 9,57
